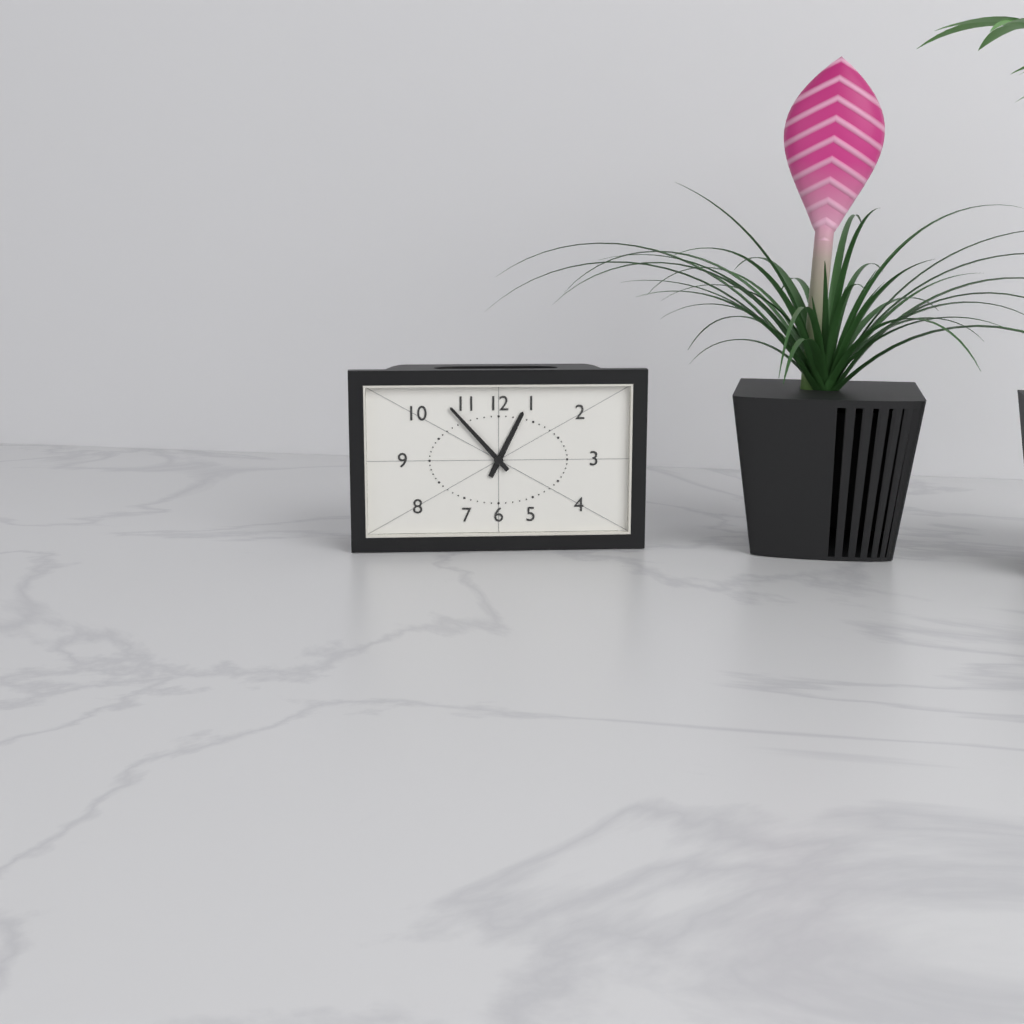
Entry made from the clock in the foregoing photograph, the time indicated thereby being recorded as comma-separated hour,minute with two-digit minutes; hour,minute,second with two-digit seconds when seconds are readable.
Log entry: 12,53
